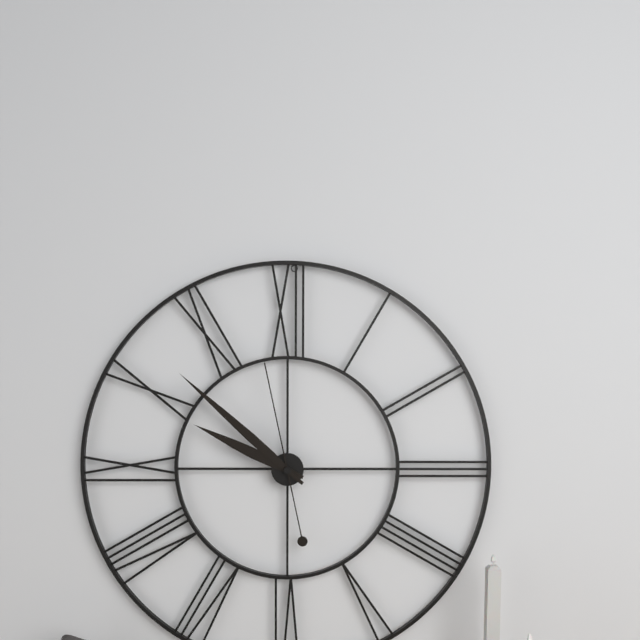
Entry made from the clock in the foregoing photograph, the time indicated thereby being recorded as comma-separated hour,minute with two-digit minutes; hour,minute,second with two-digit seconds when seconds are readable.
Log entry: 9,52,58
